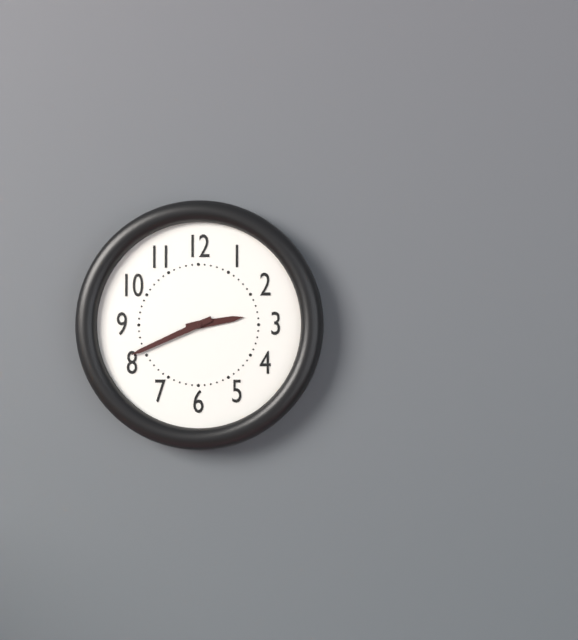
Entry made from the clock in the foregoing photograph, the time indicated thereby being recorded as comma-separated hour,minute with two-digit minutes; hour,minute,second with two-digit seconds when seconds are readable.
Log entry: 2,41
